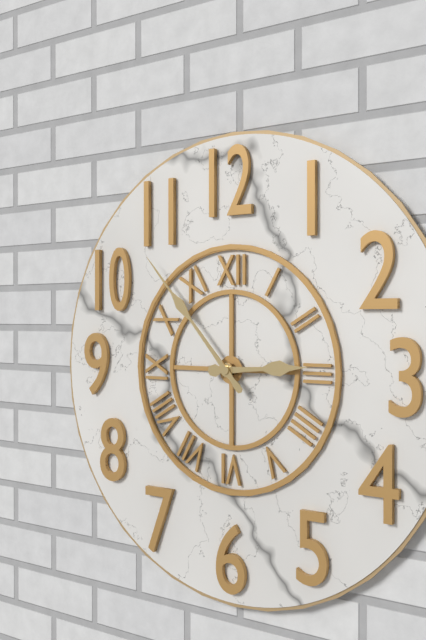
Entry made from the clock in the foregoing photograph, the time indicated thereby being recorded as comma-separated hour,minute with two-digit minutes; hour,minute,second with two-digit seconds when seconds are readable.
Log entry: 2,53
